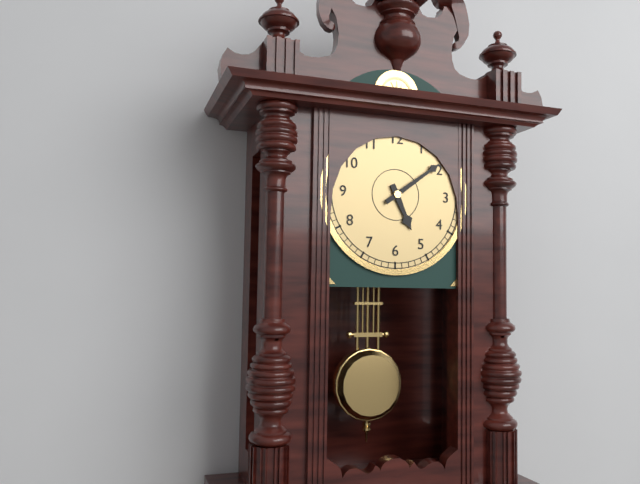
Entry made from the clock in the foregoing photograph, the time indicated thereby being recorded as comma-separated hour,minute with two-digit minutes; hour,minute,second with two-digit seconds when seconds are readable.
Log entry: 5,09
